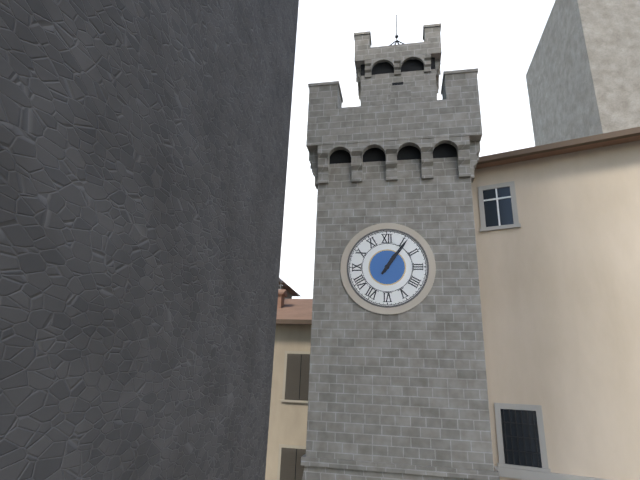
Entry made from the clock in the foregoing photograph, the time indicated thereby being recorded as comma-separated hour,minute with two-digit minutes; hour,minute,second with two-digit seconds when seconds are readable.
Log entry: 1,06
